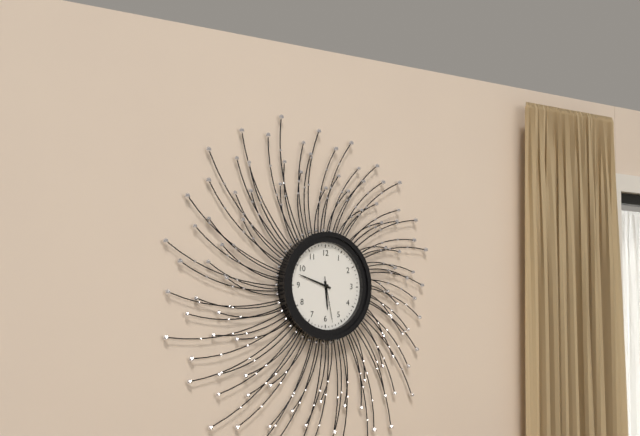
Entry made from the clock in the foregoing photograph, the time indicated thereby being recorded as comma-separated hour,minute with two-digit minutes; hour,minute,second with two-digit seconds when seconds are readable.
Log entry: 5,48
